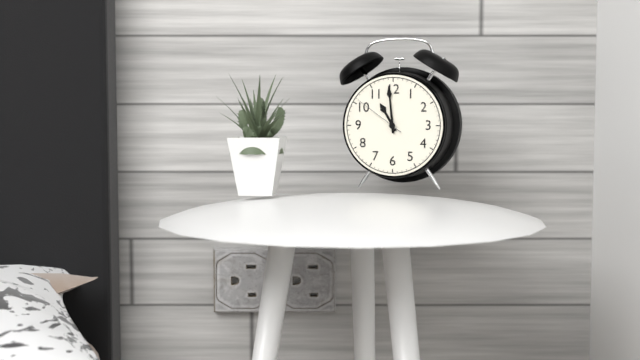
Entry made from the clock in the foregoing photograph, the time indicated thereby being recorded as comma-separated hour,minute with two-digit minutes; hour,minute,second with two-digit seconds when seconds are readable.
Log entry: 10,59,51
